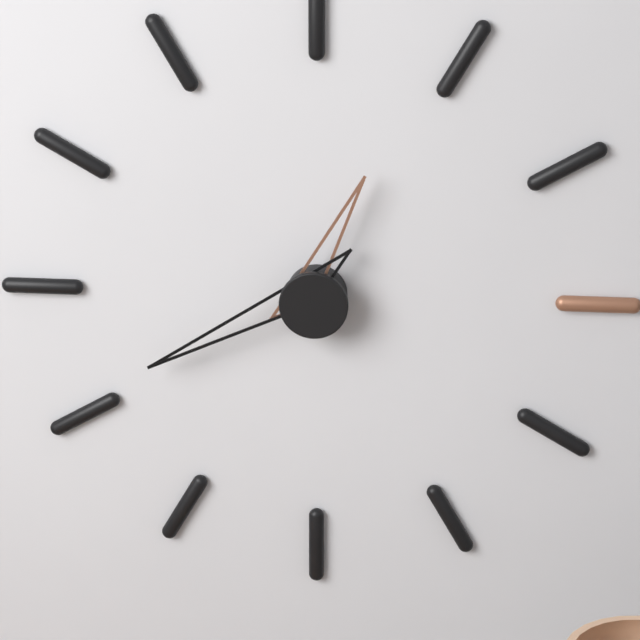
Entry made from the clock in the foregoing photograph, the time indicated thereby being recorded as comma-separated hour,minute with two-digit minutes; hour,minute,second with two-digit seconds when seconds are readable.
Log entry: 12,41
